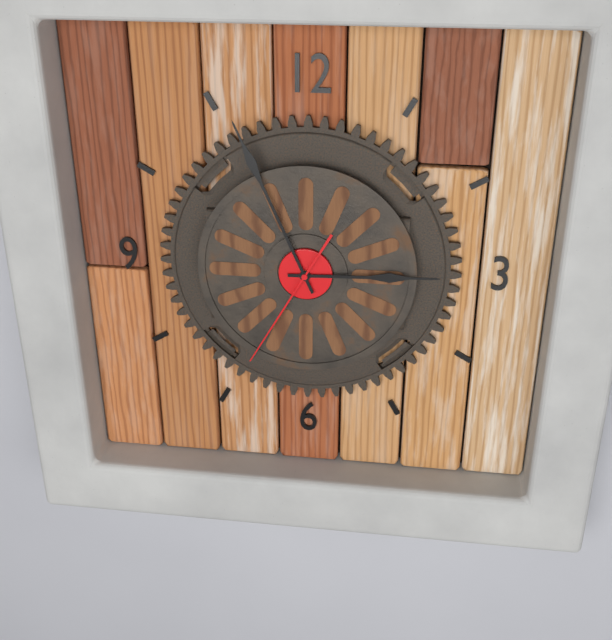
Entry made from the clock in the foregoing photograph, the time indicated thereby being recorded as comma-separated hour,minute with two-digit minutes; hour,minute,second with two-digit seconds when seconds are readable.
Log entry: 2,56,35
